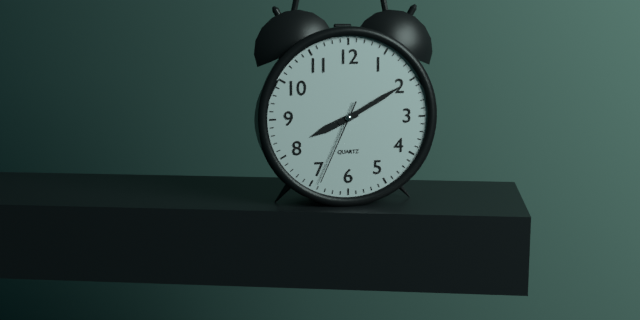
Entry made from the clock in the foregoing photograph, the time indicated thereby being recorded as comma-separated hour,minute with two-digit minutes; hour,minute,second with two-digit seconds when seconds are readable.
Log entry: 8,10,34
